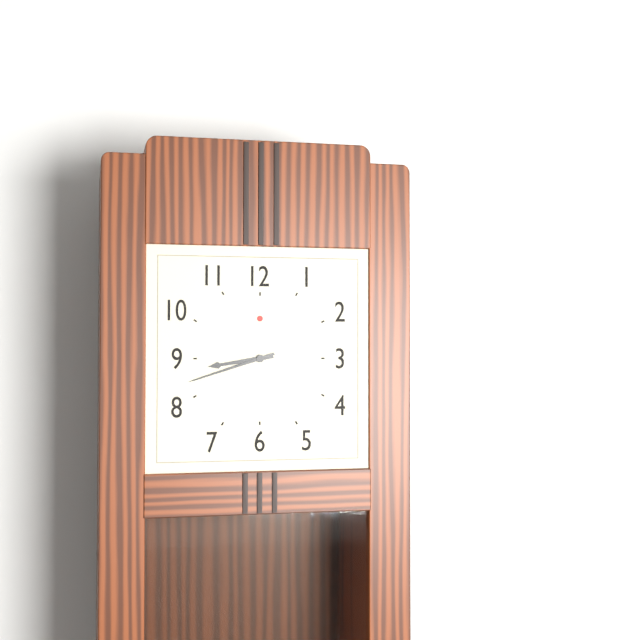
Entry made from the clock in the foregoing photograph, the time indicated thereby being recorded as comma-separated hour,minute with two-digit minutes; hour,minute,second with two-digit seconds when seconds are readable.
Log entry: 8,42
